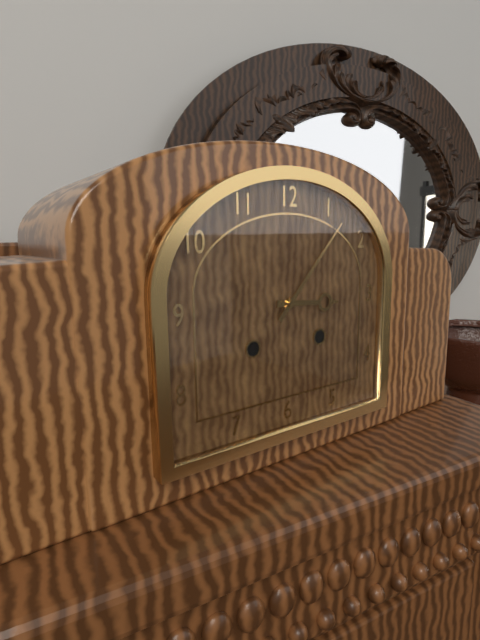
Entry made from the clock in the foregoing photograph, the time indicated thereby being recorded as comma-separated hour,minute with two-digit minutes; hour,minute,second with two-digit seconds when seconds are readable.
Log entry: 3,07
